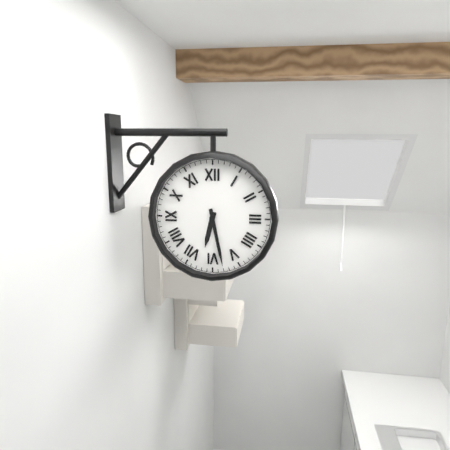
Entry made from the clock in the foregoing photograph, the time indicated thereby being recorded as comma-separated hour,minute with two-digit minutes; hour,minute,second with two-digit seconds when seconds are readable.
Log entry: 6,28
